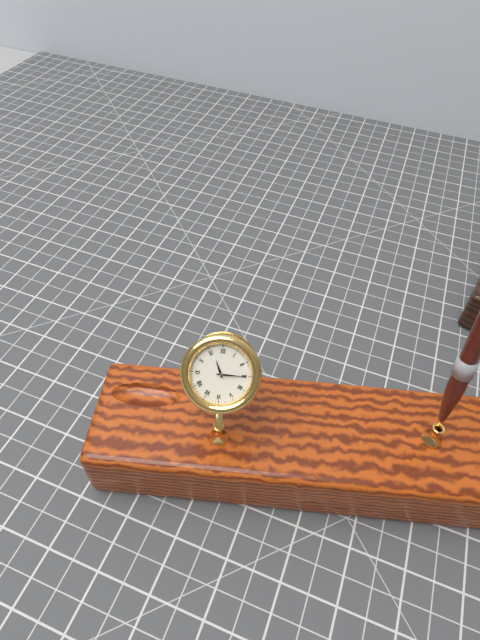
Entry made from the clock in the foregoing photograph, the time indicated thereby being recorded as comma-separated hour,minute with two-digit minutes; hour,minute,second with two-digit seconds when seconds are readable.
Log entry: 11,15
